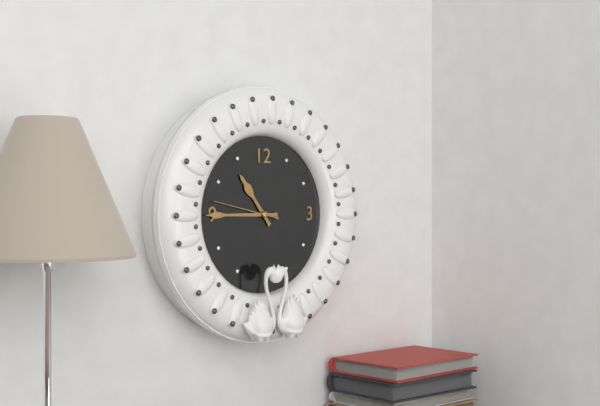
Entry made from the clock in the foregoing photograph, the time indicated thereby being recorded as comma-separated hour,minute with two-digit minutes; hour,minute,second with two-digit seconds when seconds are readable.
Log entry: 10,45,47
